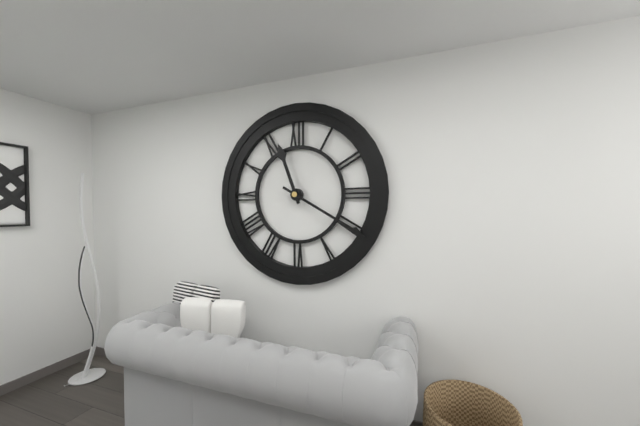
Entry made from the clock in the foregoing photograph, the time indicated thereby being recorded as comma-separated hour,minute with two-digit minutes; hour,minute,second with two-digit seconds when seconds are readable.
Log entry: 11,20
